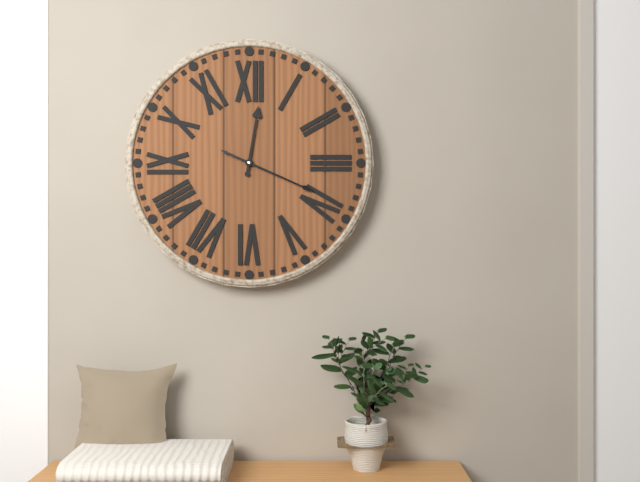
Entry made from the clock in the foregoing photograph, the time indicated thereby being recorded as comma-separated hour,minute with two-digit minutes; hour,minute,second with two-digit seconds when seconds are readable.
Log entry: 12,19
